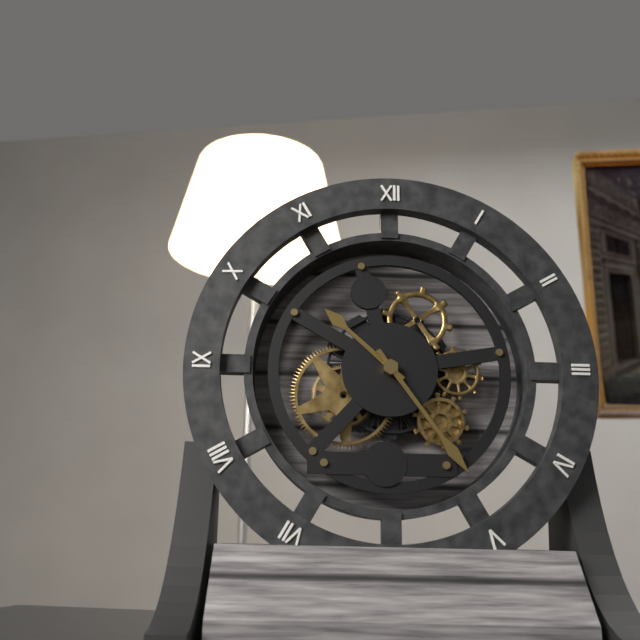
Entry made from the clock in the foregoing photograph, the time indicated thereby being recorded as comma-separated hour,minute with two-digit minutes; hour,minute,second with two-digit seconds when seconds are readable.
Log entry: 10,24
